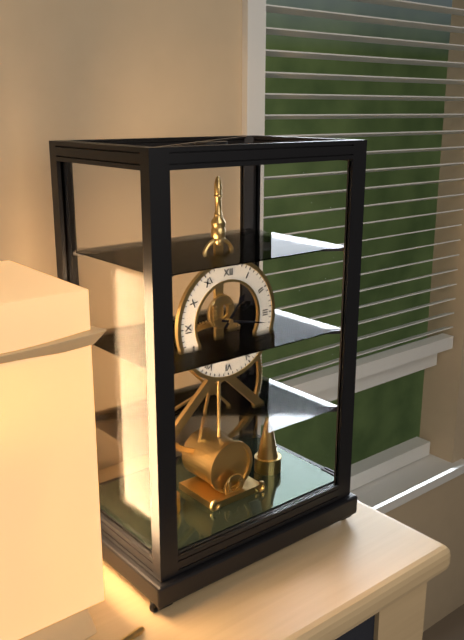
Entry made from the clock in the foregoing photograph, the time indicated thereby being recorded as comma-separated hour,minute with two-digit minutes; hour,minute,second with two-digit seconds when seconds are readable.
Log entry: 1,17
